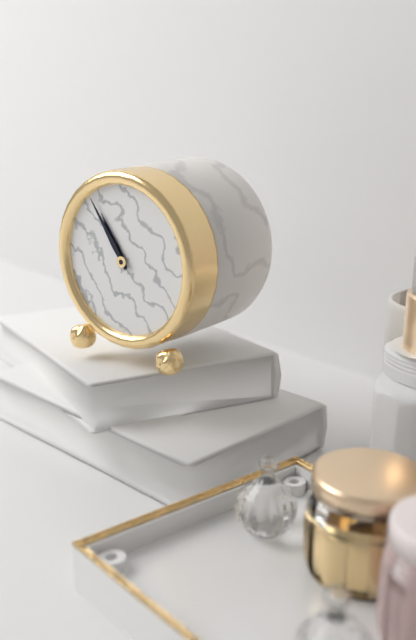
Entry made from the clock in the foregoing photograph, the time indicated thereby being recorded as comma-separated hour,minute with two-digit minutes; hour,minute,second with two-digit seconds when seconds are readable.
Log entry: 10,54
